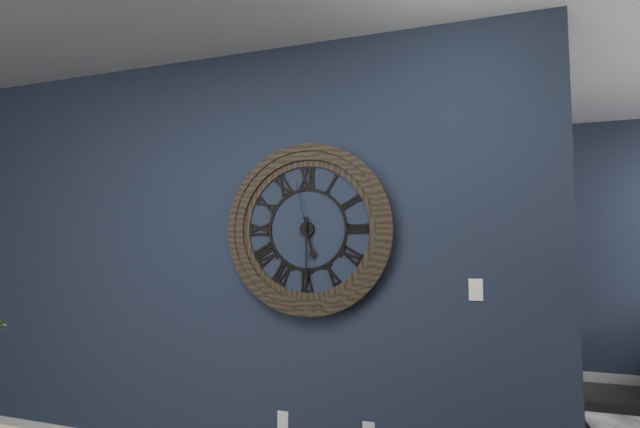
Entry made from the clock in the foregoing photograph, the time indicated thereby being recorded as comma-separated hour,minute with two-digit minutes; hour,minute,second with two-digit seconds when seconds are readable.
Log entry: 5,30,58
